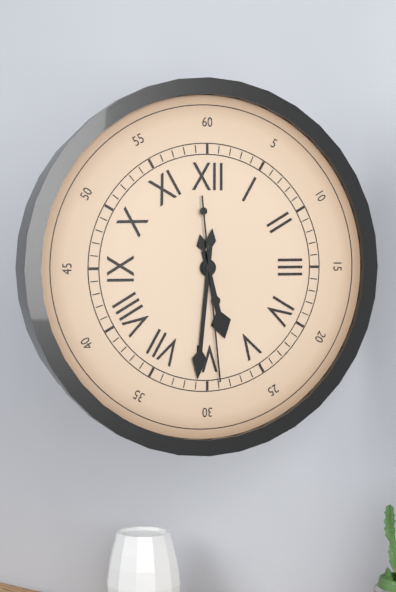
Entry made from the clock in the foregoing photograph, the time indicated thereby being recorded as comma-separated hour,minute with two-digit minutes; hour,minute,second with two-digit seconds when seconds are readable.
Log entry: 5,31,29
